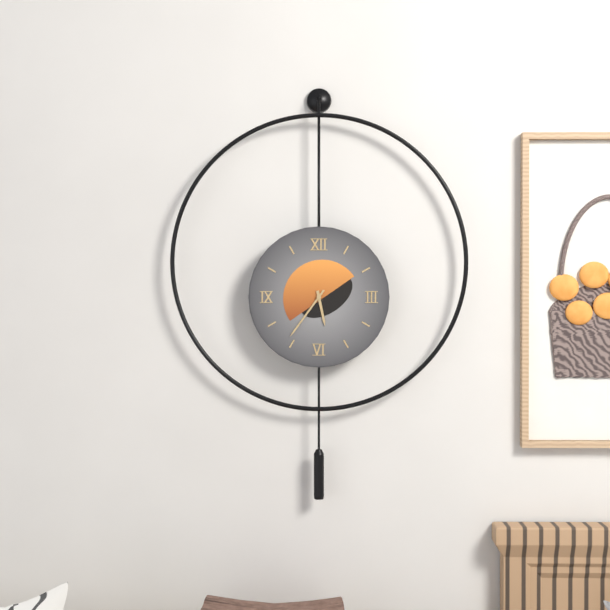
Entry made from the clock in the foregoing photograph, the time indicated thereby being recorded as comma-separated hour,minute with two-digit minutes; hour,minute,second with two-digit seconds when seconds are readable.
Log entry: 5,36
